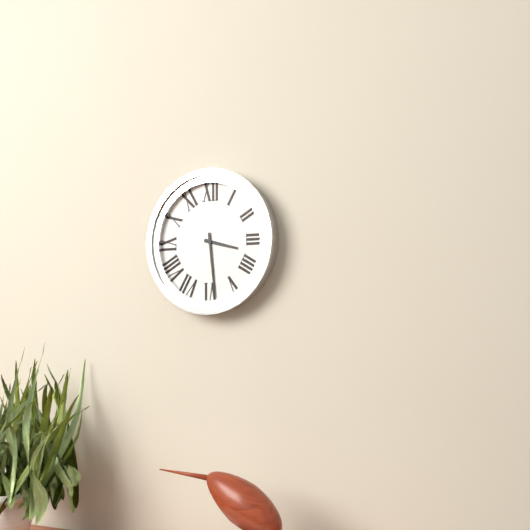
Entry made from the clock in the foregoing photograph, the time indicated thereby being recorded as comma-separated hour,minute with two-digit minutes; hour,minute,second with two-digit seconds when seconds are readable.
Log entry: 3,29
